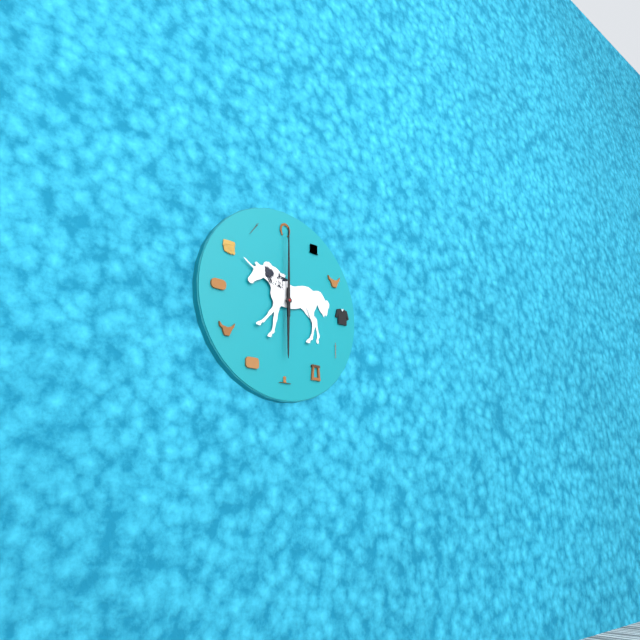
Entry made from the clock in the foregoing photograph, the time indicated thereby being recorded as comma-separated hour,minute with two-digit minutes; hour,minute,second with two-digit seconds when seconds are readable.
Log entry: 6,00
